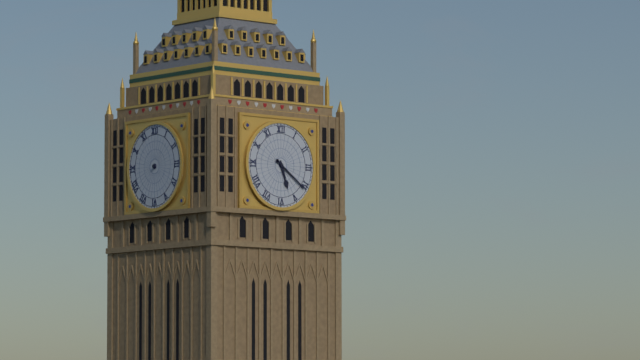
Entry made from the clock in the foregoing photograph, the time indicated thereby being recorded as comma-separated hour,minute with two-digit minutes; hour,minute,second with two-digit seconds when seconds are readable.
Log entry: 5,21
